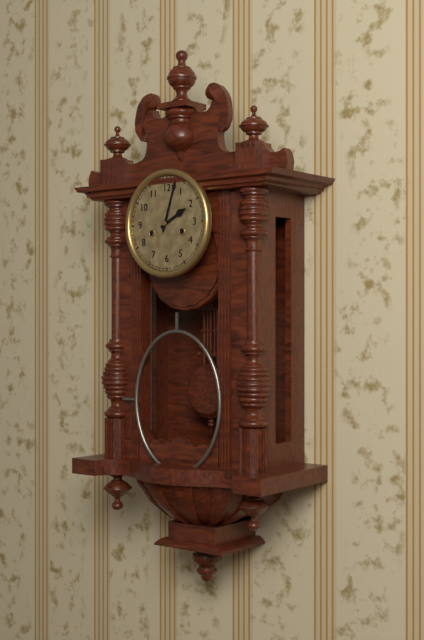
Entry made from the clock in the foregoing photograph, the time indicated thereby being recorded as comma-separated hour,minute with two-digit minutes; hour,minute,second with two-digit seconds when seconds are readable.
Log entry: 2,03
